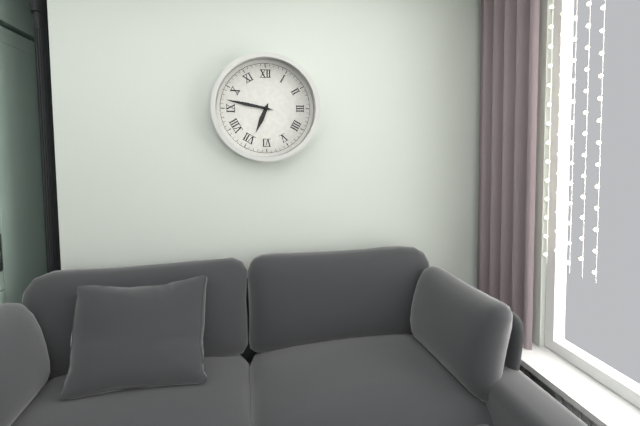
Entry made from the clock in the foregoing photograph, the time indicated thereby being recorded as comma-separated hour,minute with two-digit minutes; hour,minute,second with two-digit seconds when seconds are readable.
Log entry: 6,47
